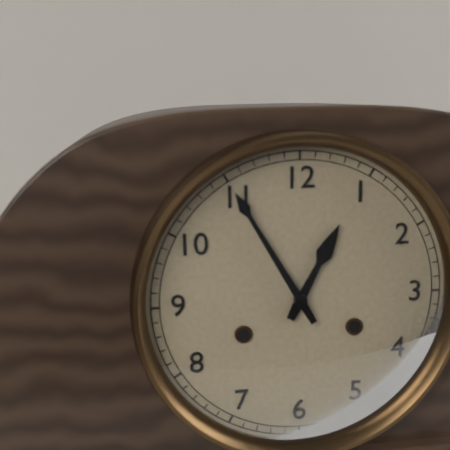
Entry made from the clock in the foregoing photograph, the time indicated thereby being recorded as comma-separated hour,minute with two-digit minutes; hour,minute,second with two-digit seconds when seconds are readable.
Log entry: 12,55
